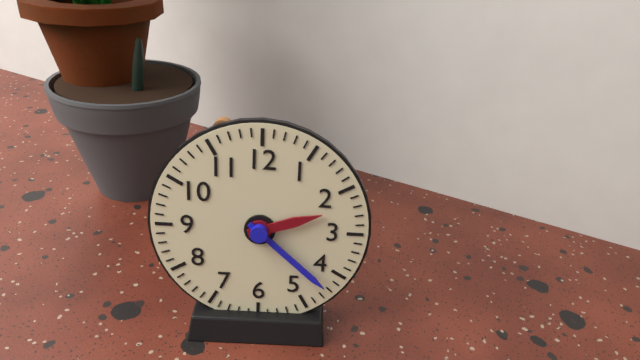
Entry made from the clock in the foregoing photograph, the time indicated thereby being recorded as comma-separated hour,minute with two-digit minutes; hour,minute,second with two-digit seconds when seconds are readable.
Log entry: 2,22
